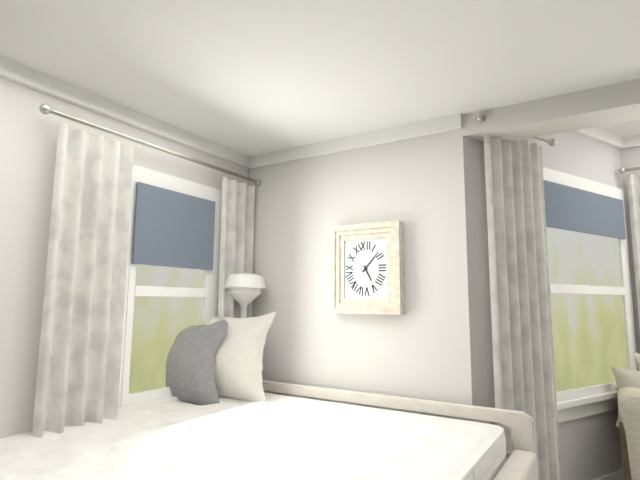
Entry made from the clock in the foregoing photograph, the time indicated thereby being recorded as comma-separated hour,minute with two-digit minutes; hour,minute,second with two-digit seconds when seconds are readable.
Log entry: 5,07
